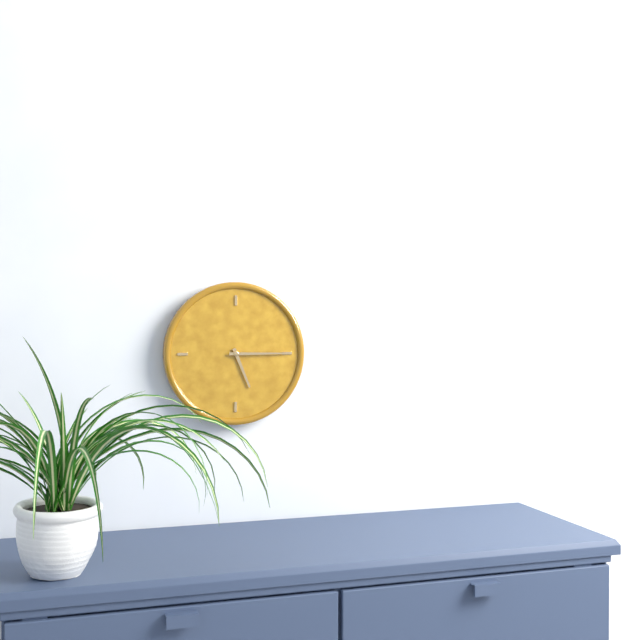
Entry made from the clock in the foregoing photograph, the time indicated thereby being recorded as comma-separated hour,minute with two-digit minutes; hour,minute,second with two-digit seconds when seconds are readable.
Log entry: 5,15
